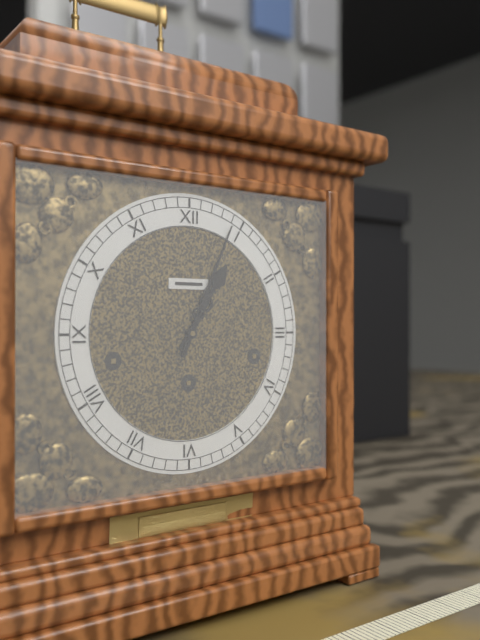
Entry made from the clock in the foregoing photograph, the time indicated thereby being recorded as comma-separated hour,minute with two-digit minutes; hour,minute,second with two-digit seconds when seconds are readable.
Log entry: 1,04
